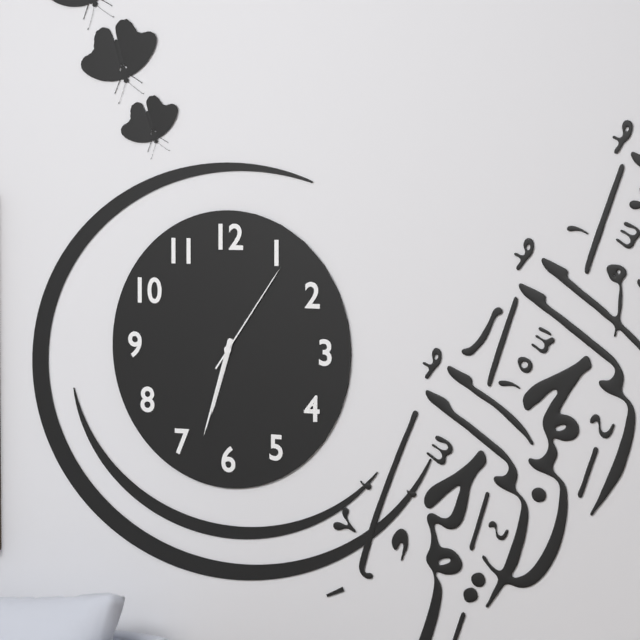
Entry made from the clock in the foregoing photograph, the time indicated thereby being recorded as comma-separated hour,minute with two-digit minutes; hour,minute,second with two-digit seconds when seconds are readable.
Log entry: 6,33,06
